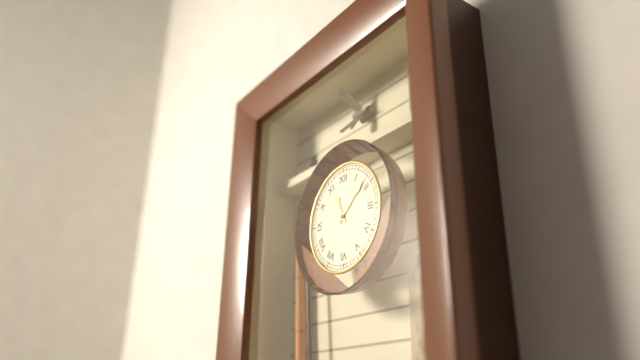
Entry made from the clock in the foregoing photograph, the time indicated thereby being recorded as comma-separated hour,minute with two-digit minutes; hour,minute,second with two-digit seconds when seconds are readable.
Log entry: 11,08
